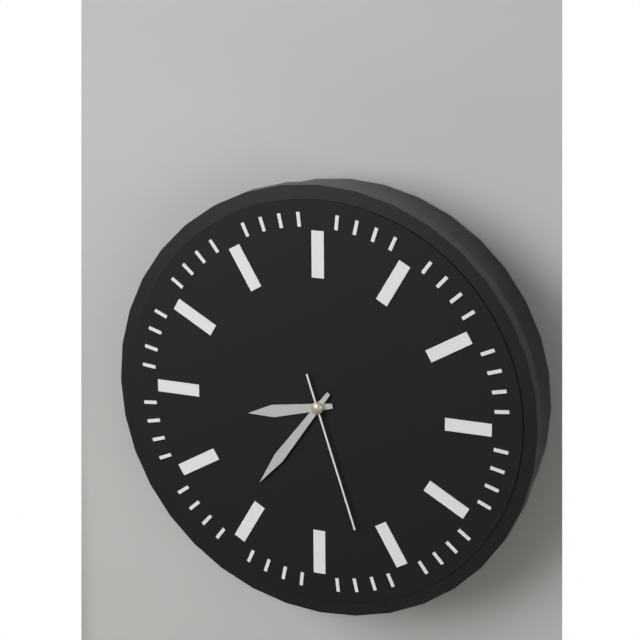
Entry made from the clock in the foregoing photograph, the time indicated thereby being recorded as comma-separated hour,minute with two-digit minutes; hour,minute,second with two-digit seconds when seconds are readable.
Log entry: 8,36,27
